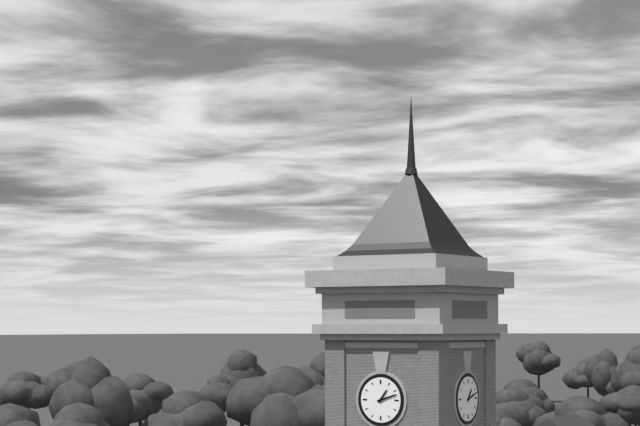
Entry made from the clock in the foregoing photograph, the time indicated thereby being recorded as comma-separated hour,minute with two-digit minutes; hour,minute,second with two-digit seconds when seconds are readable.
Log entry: 1,12
